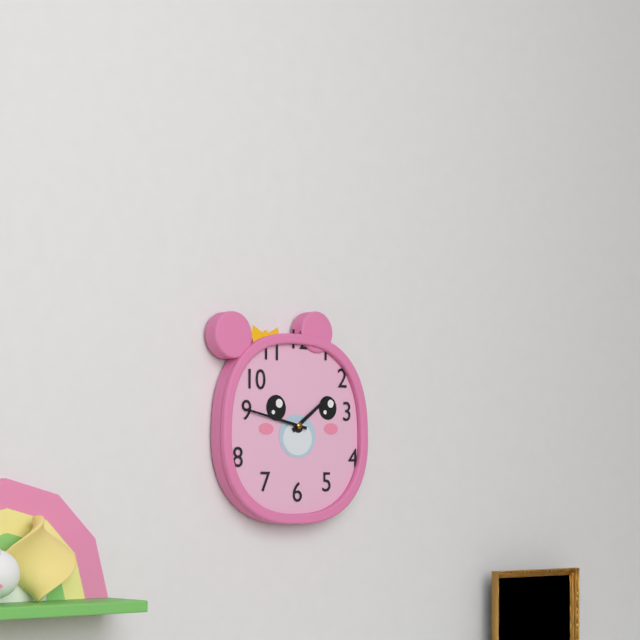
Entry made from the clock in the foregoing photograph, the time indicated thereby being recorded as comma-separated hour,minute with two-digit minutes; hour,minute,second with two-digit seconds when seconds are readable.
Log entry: 1,47
